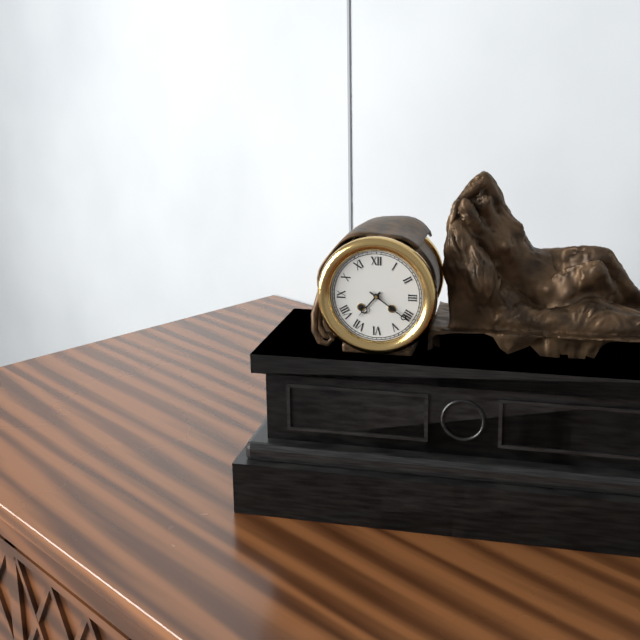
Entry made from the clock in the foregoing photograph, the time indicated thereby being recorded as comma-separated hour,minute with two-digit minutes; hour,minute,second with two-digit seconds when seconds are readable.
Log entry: 7,21
